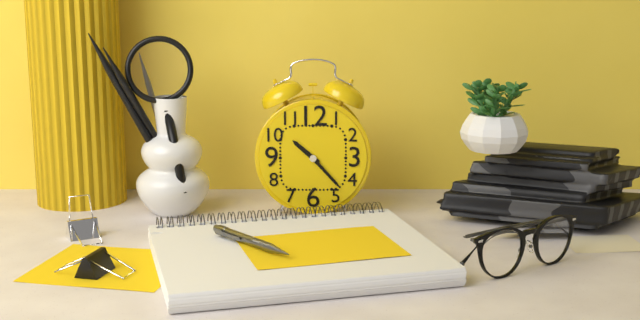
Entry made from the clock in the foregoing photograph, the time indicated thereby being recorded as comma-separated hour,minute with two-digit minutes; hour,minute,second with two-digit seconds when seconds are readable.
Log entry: 10,23
